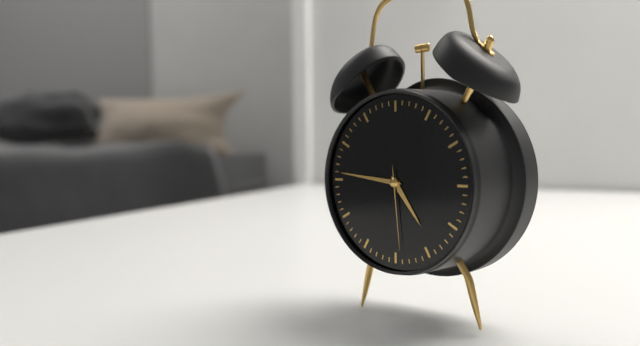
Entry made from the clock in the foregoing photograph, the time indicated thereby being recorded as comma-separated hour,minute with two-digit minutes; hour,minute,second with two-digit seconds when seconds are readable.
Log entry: 4,46,29
